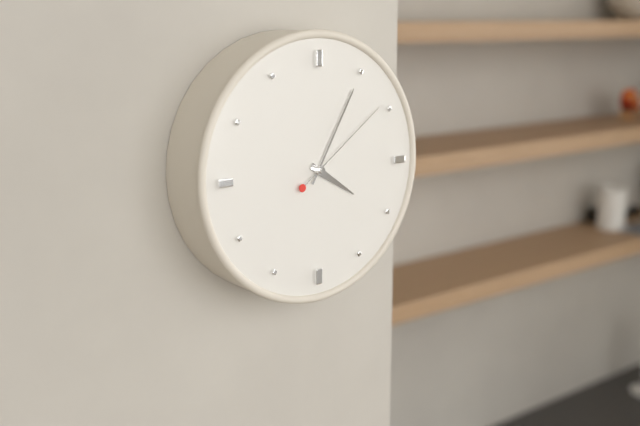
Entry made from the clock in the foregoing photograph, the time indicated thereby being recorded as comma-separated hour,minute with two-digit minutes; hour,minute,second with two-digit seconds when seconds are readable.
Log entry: 4,05,09
